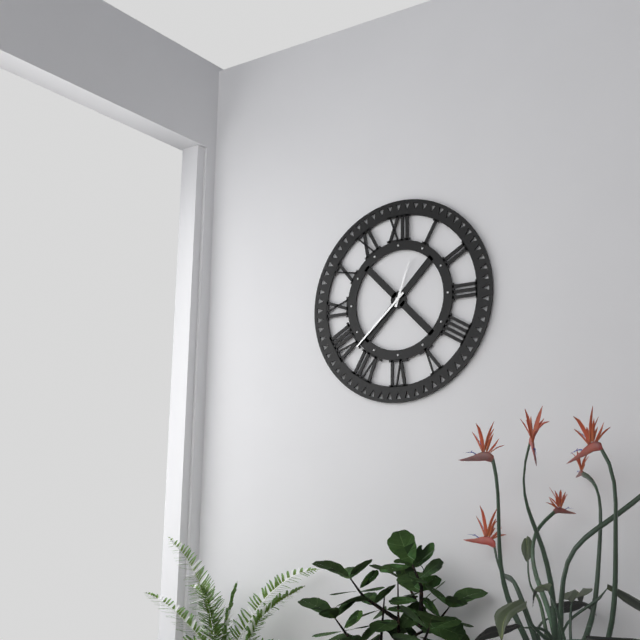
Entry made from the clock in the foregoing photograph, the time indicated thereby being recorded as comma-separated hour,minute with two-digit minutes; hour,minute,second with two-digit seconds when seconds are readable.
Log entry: 12,38
